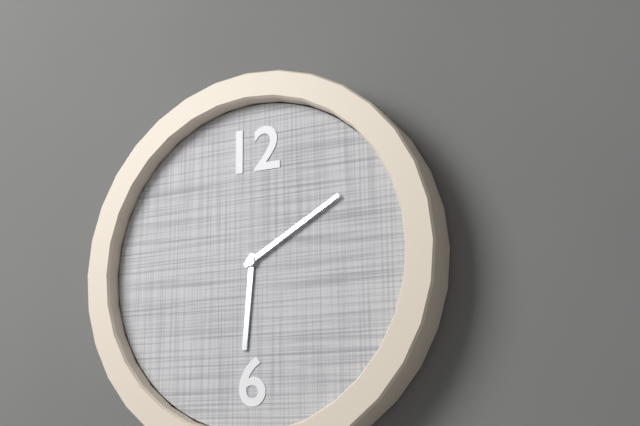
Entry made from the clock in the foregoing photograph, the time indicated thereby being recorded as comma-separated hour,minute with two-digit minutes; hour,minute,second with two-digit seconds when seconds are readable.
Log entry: 6,10
